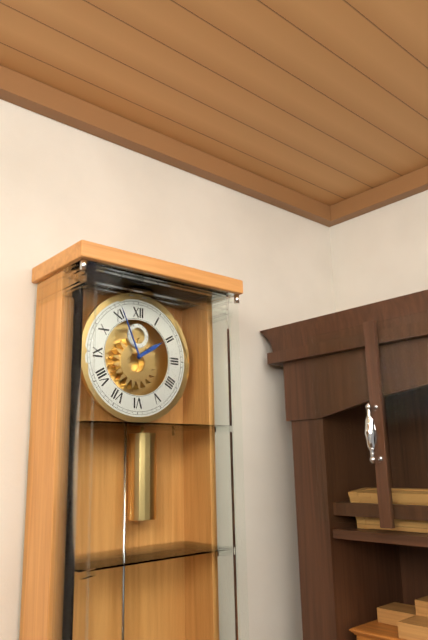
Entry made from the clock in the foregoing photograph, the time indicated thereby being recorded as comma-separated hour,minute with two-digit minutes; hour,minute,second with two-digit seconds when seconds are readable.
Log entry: 1,56
